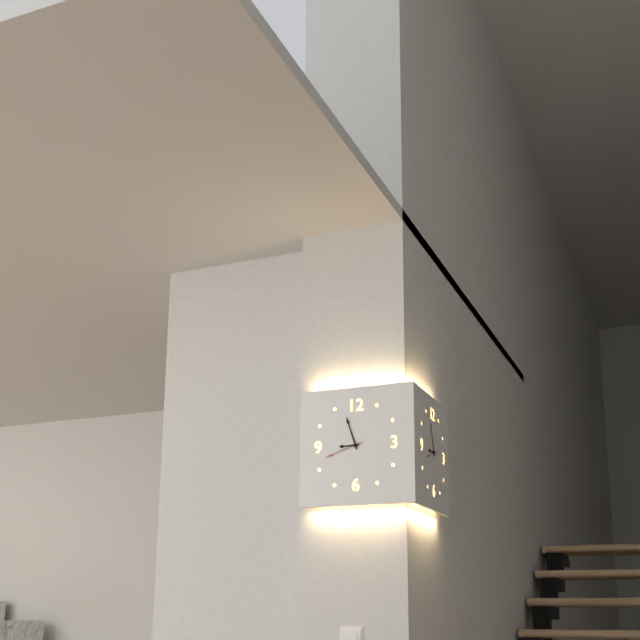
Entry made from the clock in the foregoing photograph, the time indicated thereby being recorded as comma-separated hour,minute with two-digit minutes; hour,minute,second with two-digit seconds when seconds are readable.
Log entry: 8,57
